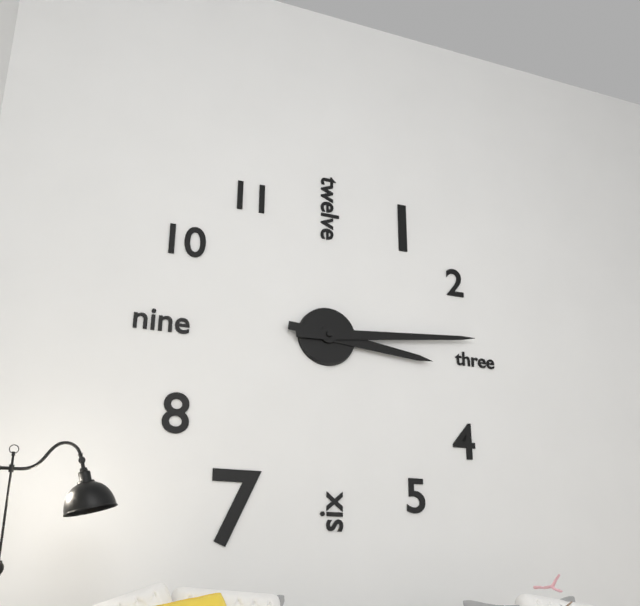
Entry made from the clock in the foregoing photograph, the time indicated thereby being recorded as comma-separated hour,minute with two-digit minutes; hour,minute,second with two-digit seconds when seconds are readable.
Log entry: 3,14
